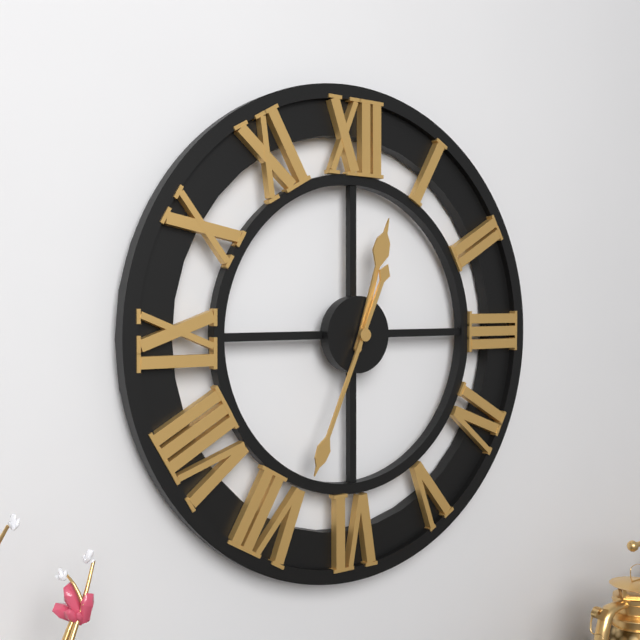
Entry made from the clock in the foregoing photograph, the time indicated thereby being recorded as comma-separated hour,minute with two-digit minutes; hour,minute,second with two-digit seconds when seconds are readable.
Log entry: 12,34
